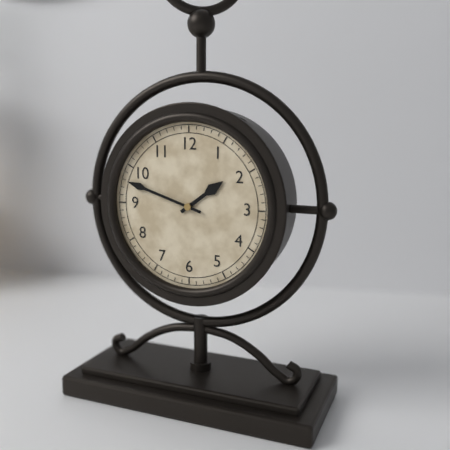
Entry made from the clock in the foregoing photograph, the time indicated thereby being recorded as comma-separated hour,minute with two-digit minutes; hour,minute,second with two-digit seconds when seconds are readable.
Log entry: 1,48
